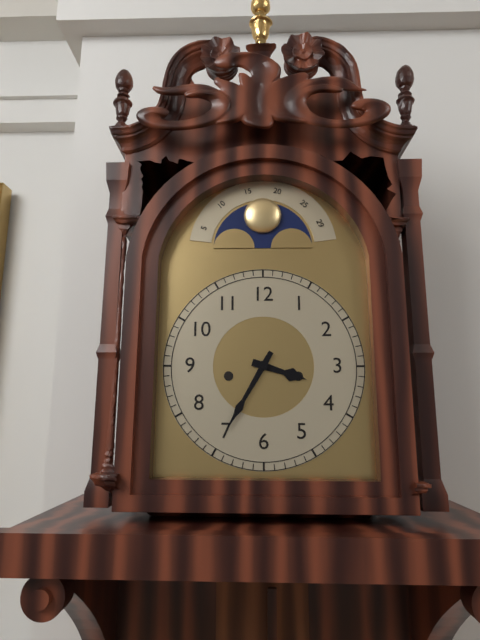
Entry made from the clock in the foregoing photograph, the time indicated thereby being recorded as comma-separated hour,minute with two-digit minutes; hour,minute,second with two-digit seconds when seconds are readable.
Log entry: 3,35
